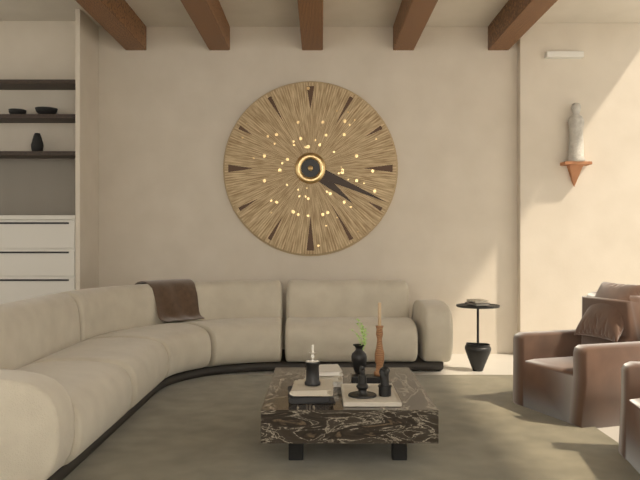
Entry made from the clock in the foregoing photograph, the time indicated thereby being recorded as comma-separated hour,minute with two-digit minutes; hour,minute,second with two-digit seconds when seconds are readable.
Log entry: 4,19
